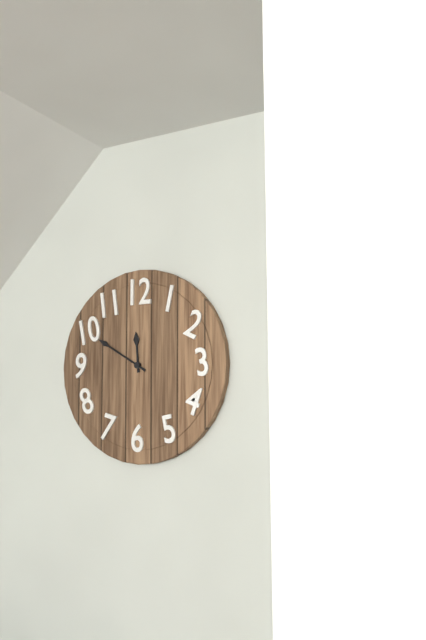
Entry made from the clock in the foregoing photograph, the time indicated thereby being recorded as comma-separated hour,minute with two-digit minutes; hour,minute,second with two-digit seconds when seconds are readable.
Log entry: 11,50
